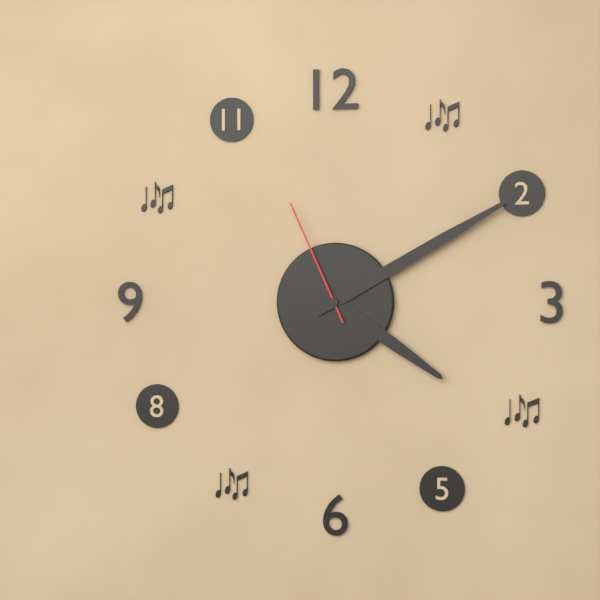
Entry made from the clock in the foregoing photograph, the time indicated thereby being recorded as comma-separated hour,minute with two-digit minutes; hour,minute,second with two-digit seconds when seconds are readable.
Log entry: 4,10,56
